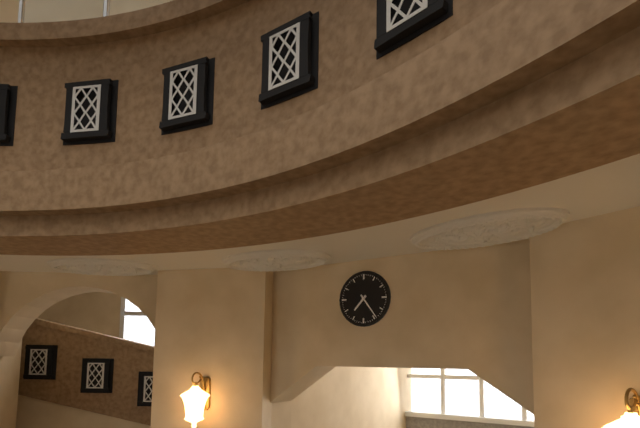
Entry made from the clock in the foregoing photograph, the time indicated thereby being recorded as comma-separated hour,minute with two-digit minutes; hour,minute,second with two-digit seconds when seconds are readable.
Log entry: 7,24
